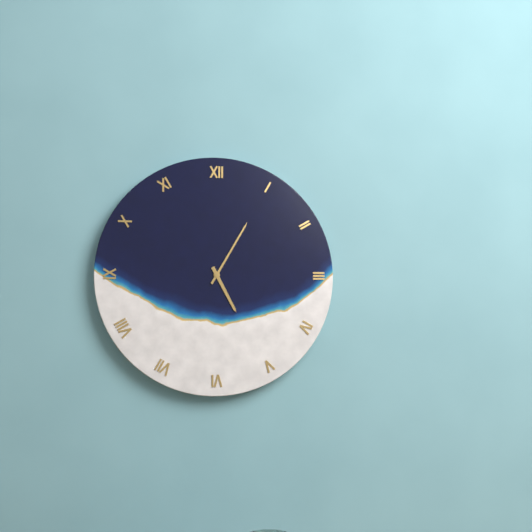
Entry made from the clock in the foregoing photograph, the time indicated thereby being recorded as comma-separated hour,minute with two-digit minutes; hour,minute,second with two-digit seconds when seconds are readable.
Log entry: 5,05
